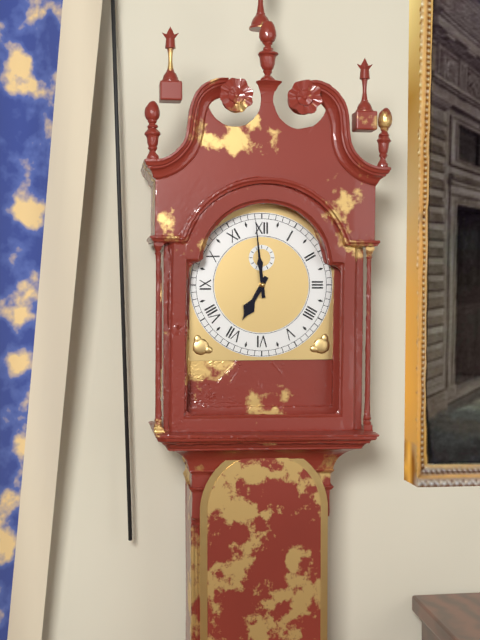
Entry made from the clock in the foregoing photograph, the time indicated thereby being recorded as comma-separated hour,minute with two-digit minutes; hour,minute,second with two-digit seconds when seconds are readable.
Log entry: 6,59
